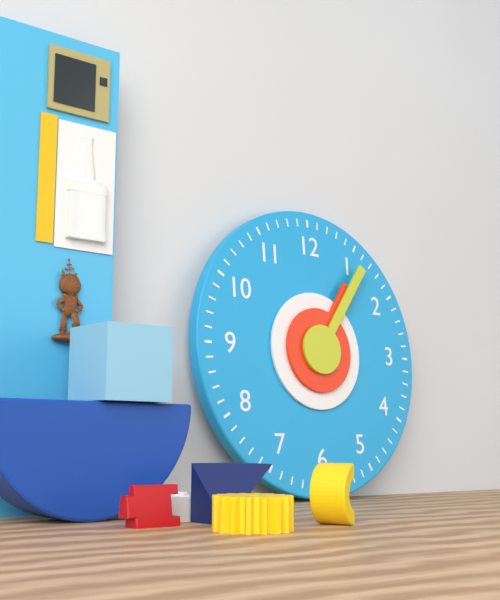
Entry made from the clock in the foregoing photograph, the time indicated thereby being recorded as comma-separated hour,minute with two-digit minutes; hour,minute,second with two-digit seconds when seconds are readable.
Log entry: 1,06
